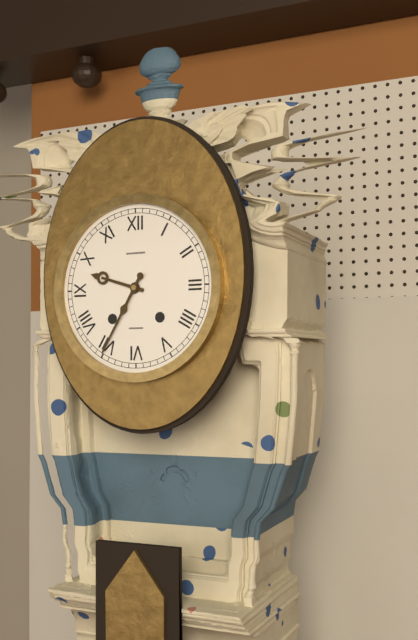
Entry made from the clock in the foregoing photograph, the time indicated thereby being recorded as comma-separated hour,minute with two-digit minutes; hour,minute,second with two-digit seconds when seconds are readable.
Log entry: 9,35
